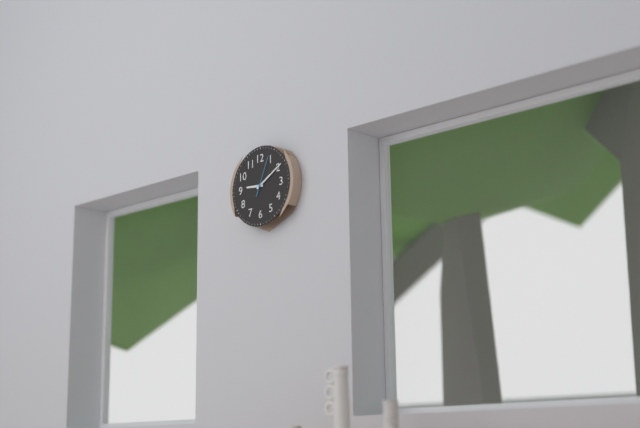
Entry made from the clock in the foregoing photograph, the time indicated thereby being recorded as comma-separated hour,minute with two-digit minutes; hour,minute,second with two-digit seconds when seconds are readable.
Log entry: 9,10
